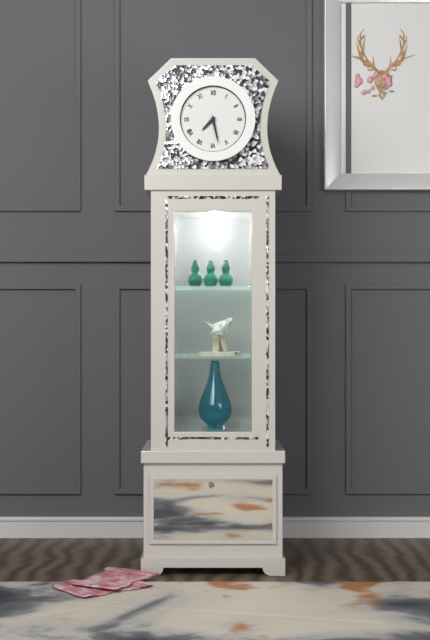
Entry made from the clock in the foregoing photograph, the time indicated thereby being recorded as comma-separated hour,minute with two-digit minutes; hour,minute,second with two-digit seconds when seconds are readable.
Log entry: 7,28
